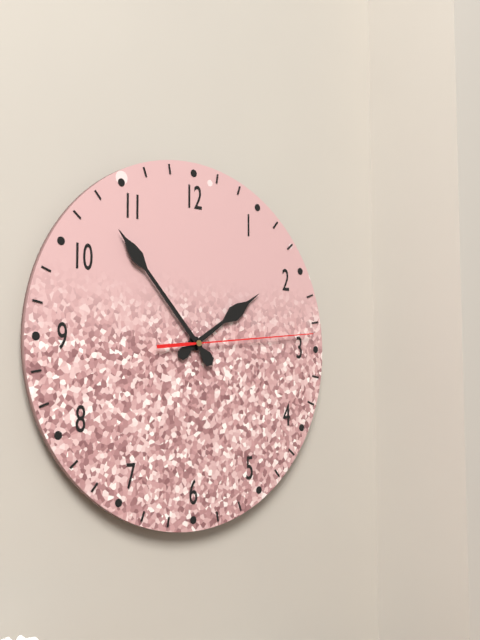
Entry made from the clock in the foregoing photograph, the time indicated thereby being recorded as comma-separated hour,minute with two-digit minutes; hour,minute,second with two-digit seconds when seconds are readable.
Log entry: 1,53,14
